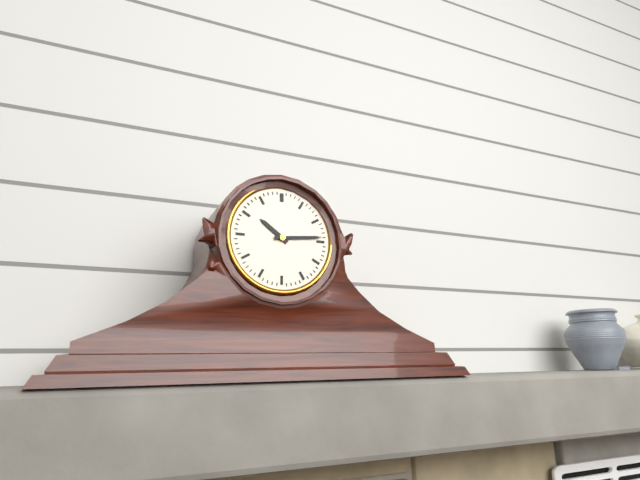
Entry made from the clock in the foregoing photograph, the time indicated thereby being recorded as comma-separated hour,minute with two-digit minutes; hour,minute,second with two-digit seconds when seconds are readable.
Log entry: 10,14
